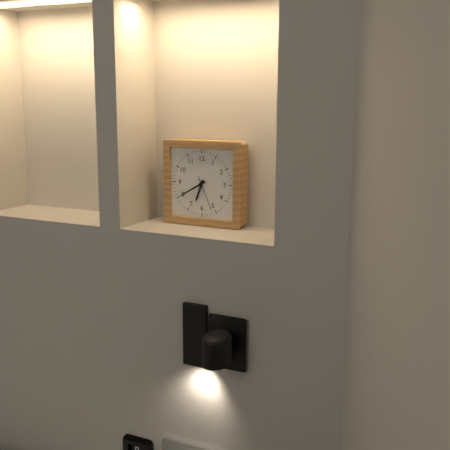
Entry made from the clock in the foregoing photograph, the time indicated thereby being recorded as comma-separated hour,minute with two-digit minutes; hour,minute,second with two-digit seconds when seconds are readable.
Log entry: 6,40
